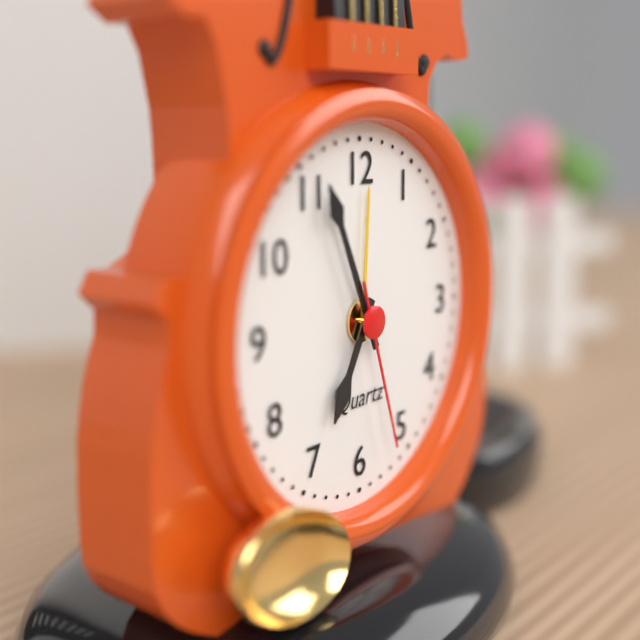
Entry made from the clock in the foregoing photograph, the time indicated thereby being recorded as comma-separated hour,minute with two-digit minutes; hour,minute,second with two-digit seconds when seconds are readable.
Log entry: 6,56,27
